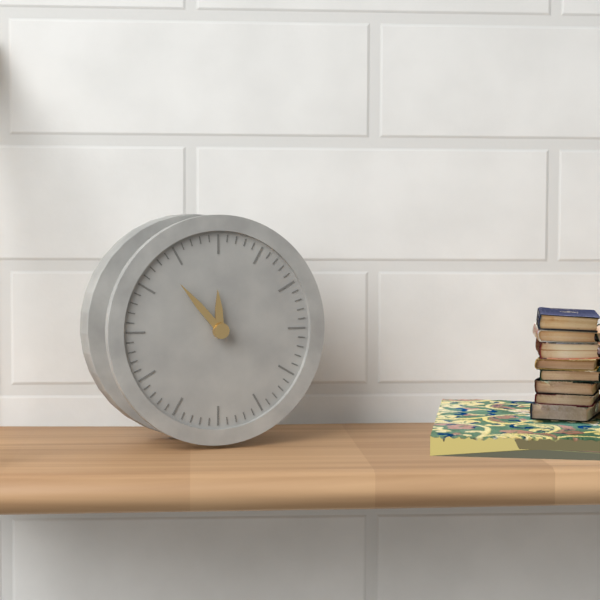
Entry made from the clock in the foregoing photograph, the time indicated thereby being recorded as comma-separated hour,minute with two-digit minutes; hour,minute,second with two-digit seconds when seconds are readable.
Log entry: 11,53
